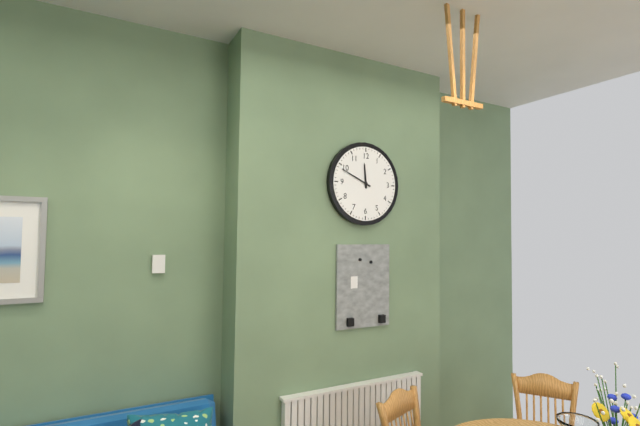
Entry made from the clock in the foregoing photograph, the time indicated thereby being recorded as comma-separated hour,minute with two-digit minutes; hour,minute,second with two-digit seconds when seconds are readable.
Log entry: 11,49
